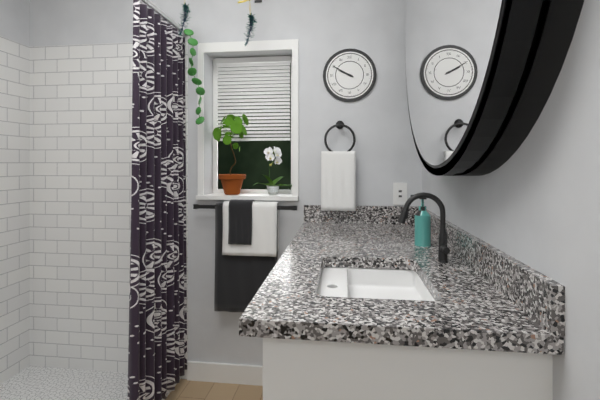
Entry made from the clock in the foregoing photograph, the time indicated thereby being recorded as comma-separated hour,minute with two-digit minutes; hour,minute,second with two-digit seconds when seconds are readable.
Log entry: 9,50
